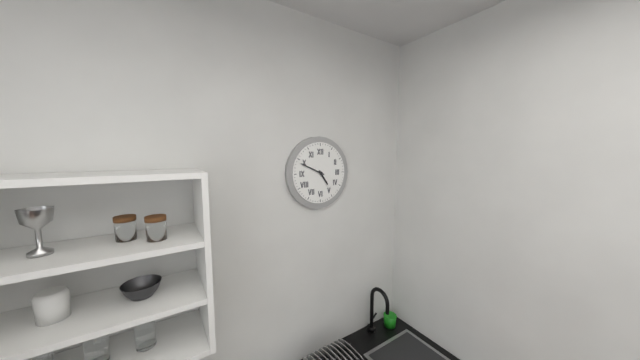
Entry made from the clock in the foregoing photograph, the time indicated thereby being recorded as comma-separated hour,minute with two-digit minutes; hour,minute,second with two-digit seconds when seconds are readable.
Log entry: 4,49
